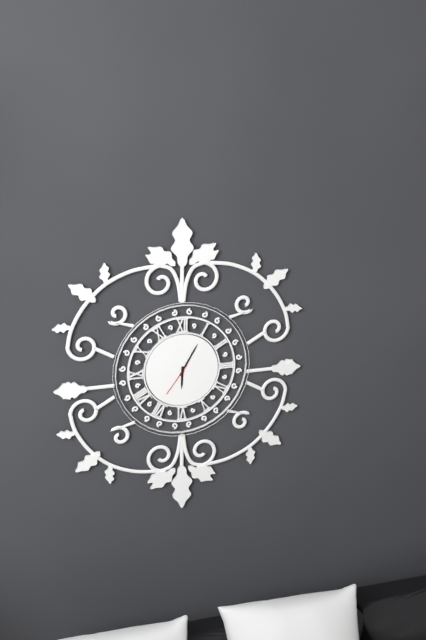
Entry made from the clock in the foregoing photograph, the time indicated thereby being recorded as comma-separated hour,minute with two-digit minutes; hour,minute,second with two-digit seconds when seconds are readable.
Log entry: 6,05
